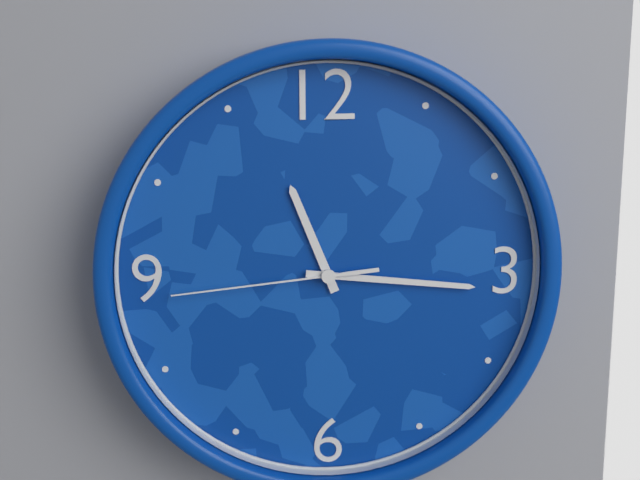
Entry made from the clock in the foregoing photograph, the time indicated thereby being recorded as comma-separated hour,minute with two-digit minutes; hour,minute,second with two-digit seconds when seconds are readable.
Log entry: 11,16,44
